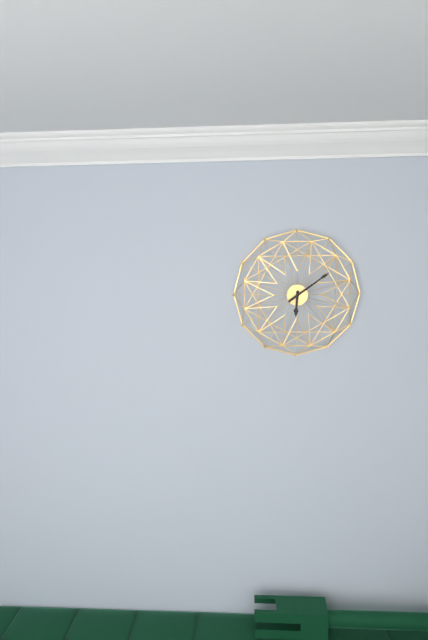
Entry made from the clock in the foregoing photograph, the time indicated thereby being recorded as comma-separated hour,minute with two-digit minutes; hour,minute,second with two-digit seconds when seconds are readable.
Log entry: 6,09
